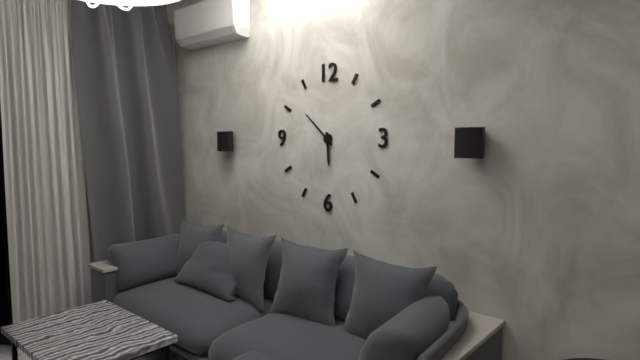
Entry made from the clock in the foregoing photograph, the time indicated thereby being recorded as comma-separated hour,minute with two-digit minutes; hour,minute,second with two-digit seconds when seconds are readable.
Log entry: 5,52
